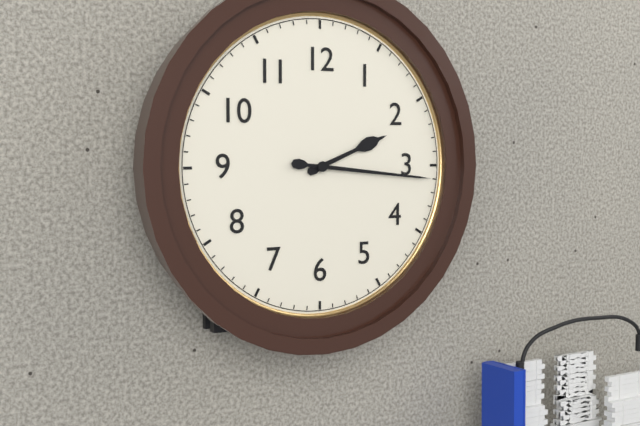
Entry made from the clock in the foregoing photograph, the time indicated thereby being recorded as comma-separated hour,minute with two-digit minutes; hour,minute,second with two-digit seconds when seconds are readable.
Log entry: 2,16
